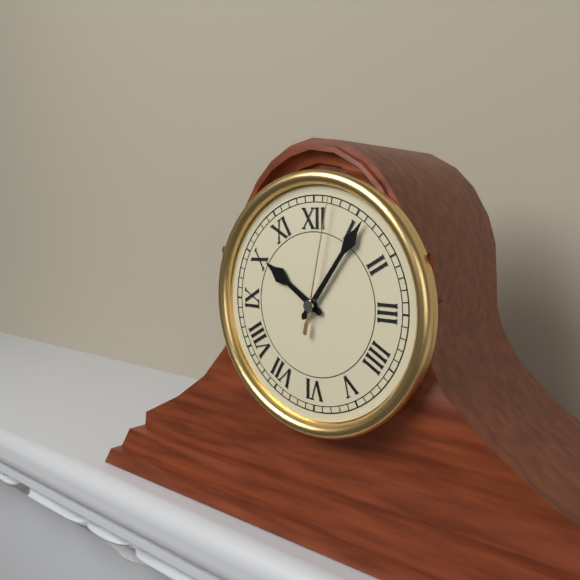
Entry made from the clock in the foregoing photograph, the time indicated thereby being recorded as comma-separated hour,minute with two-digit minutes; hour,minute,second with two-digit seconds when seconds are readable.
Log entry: 10,06,02
